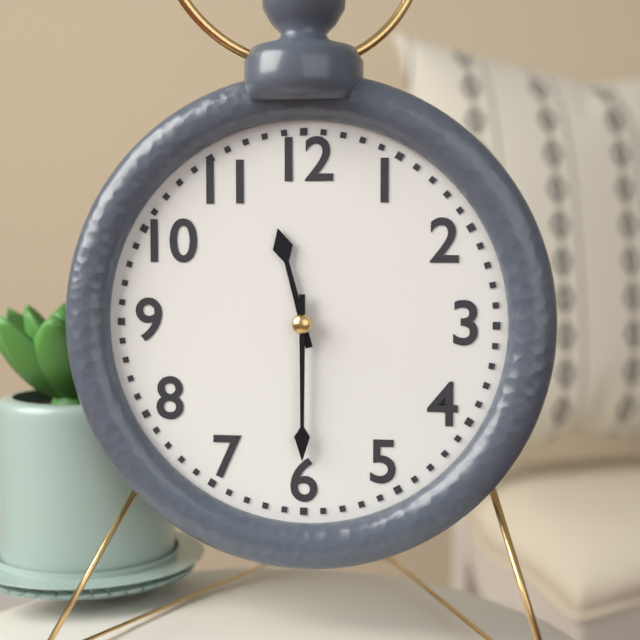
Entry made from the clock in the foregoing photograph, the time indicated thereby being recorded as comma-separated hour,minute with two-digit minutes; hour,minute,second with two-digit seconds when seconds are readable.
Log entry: 11,30
